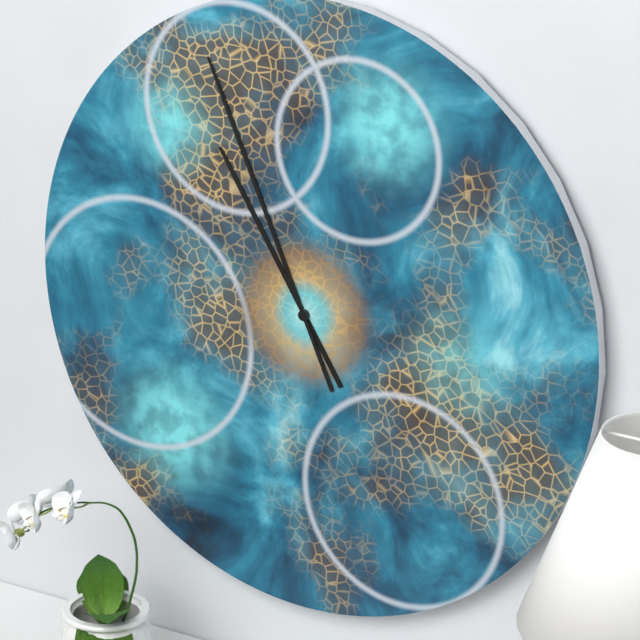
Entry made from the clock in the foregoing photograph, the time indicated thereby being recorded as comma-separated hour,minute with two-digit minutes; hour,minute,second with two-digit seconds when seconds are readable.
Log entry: 10,56
